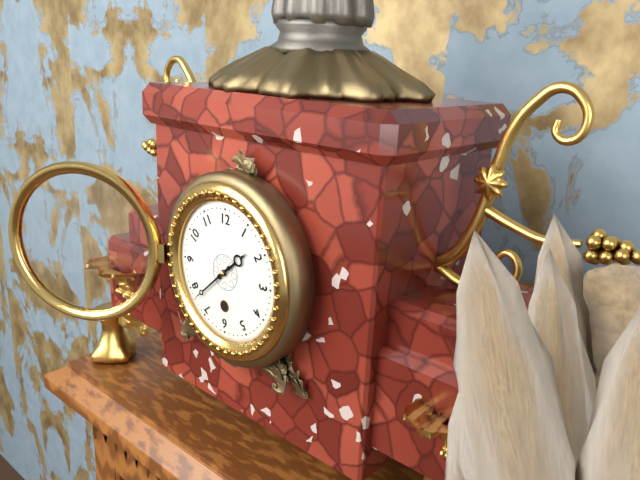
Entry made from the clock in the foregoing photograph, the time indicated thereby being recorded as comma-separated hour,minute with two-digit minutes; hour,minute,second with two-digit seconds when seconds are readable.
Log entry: 1,38
